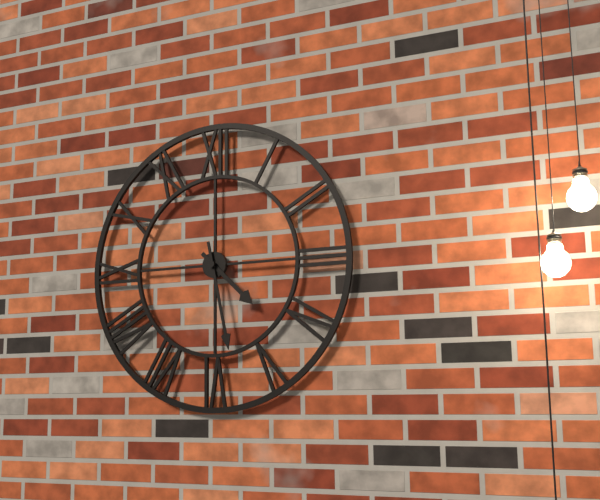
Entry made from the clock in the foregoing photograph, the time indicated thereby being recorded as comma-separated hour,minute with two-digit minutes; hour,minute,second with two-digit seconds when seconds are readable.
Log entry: 4,28
